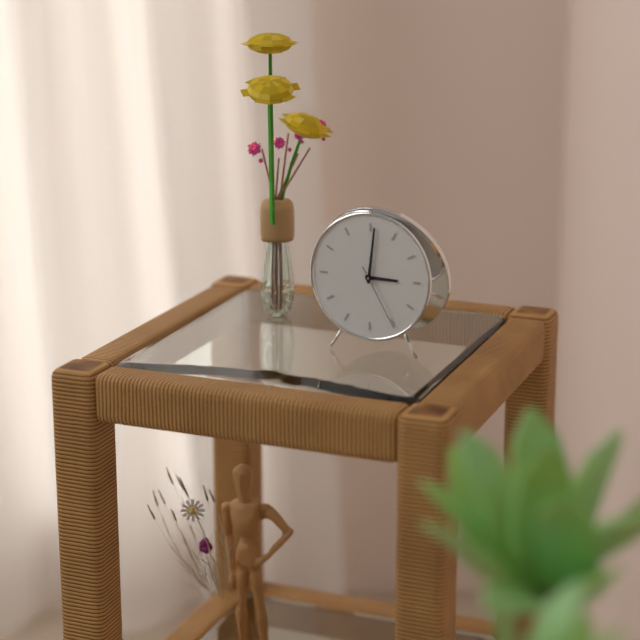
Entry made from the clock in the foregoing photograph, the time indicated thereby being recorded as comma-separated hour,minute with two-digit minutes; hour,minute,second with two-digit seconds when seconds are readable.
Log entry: 3,01,25
